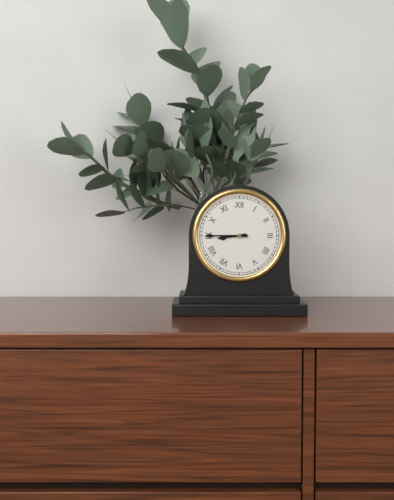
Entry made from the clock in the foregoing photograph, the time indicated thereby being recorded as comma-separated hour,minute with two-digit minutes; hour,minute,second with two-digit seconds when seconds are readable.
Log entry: 8,45
